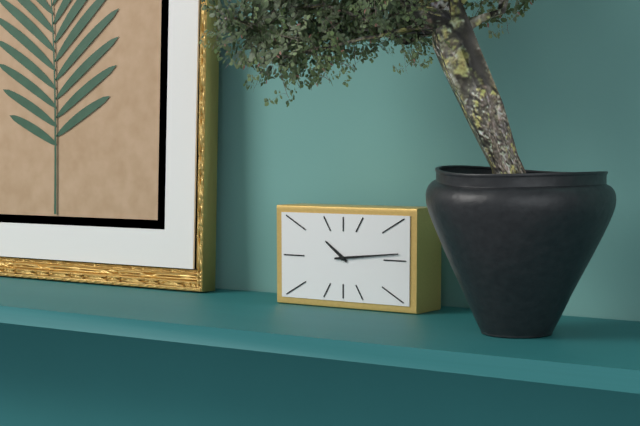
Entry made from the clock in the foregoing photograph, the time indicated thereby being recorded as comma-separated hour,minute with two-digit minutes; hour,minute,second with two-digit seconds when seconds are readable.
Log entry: 10,14
